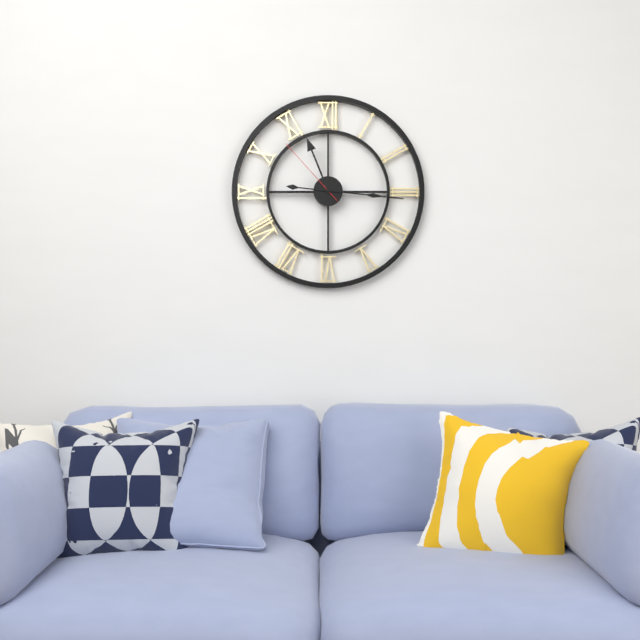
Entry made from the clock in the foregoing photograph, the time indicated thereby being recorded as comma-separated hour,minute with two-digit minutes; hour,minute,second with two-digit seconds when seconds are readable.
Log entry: 11,16,53
